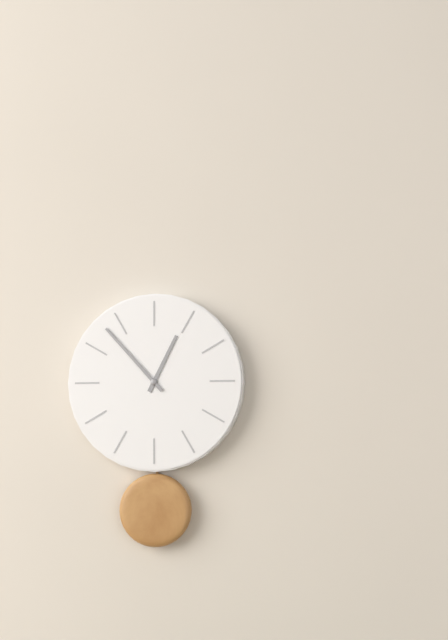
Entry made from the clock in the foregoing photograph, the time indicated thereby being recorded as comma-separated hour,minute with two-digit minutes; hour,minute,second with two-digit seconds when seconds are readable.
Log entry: 12,53
